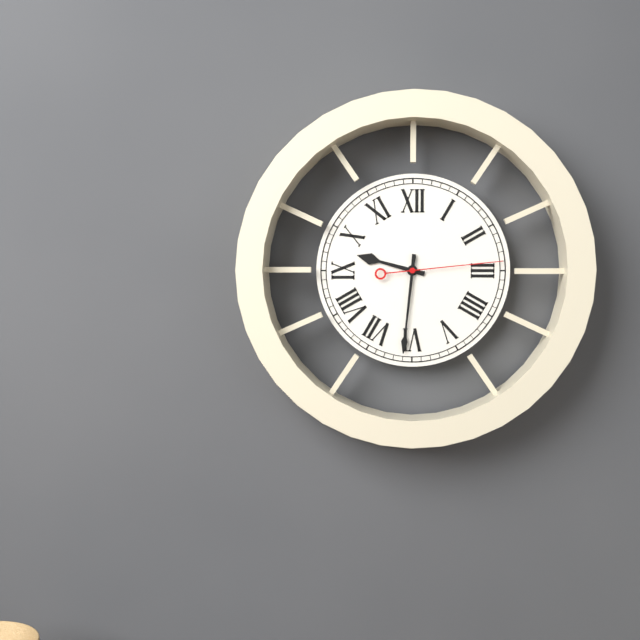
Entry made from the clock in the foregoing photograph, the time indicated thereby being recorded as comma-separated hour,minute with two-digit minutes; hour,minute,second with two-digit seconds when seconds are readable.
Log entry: 9,31,14
